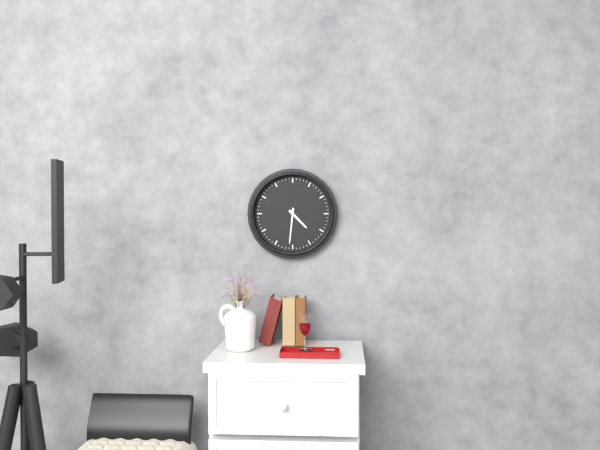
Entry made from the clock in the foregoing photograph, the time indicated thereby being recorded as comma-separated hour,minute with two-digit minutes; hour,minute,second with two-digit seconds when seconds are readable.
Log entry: 4,31
